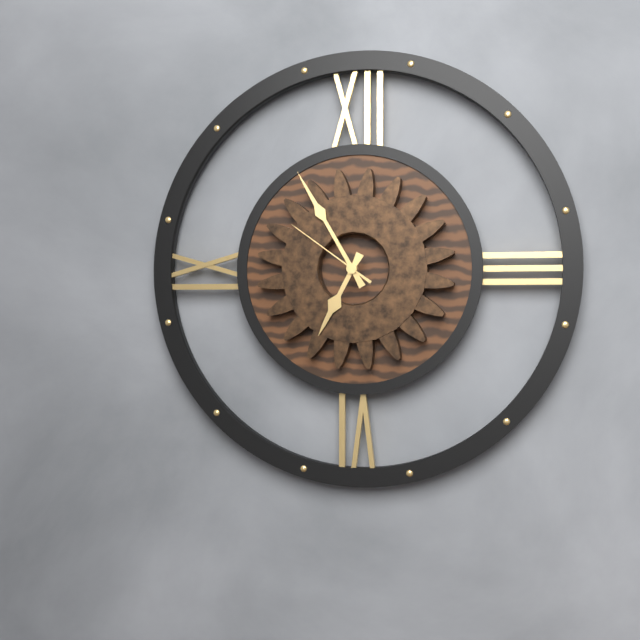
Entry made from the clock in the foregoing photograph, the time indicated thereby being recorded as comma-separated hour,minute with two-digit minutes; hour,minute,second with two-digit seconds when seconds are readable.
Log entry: 6,55,51
